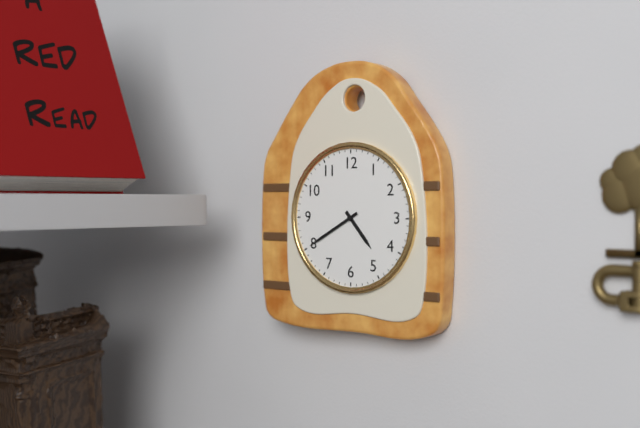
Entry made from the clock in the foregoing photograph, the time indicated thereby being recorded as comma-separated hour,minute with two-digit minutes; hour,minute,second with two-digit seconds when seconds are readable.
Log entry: 4,40
